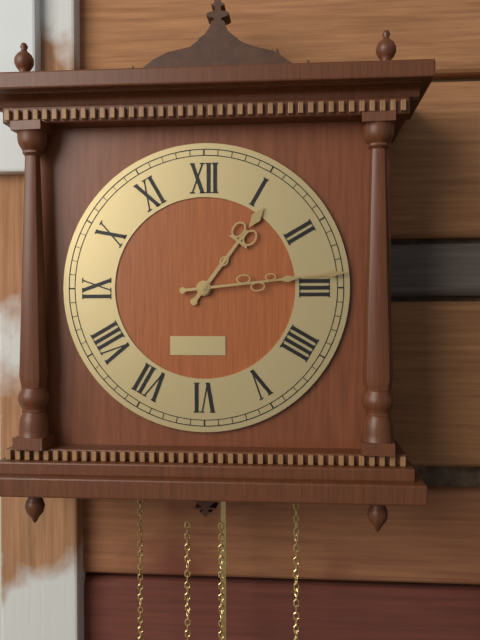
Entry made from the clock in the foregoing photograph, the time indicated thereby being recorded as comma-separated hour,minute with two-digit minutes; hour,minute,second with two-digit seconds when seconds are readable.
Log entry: 1,14
